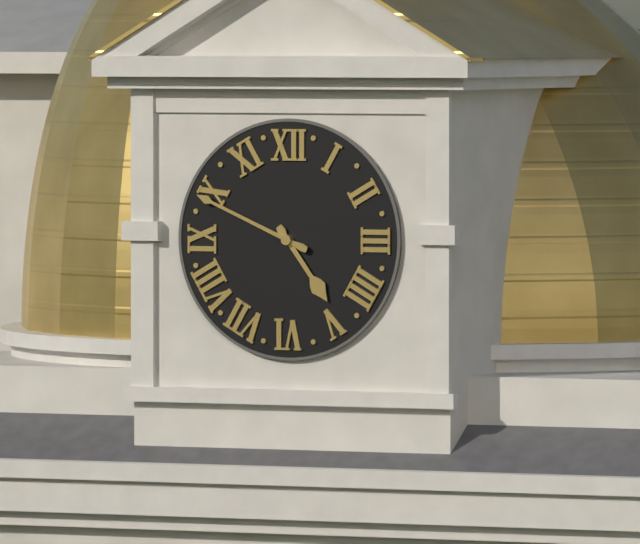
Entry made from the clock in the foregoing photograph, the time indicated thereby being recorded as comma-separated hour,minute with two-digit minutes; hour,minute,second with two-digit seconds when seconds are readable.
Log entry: 4,49
